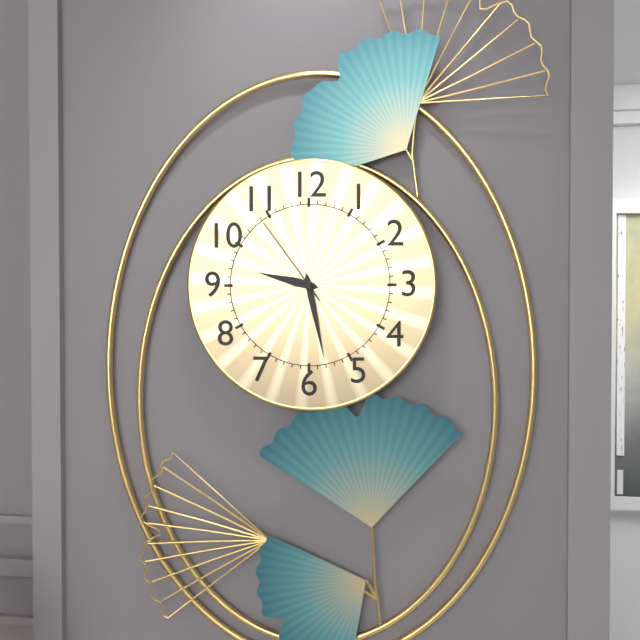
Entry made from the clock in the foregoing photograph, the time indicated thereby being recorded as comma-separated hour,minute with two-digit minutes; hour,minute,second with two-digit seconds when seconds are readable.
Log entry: 9,28,54
